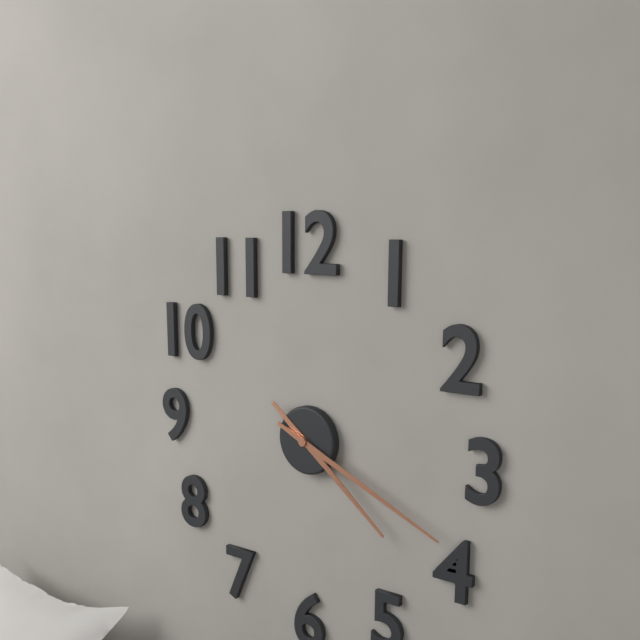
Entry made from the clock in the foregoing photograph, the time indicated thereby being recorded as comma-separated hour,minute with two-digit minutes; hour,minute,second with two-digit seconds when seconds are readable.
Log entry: 4,19
